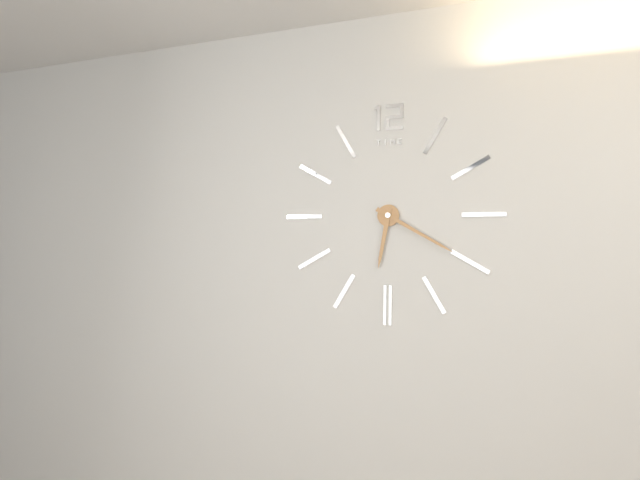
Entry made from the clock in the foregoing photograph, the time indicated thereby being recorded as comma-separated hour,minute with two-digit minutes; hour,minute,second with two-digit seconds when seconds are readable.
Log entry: 6,20
